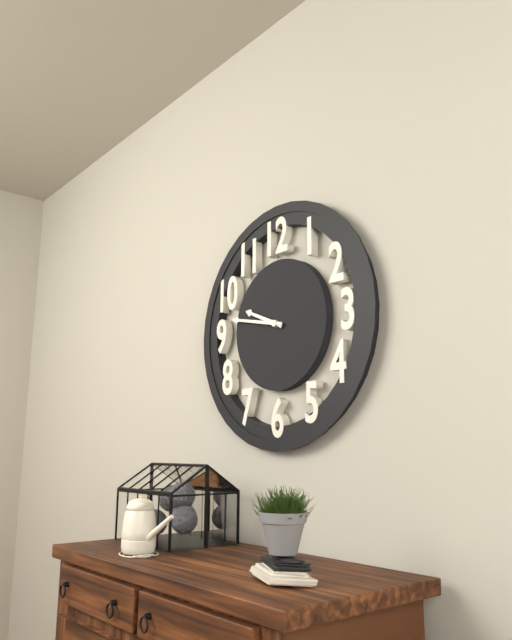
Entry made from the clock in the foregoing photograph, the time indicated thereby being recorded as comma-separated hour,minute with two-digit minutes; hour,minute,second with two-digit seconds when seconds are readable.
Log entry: 9,47
